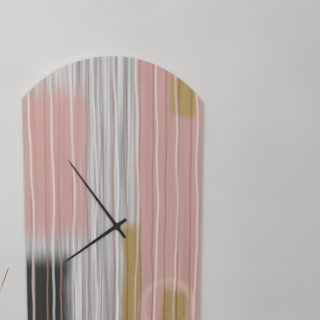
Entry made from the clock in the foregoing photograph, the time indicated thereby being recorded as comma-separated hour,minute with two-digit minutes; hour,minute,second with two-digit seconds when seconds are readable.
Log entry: 7,54
